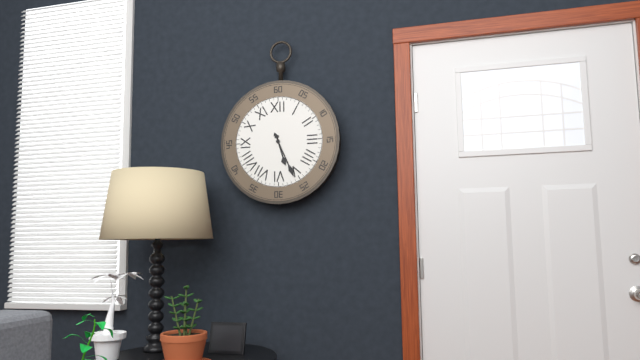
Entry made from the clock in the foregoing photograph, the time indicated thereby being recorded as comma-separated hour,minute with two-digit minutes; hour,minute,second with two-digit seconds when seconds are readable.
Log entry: 5,26
